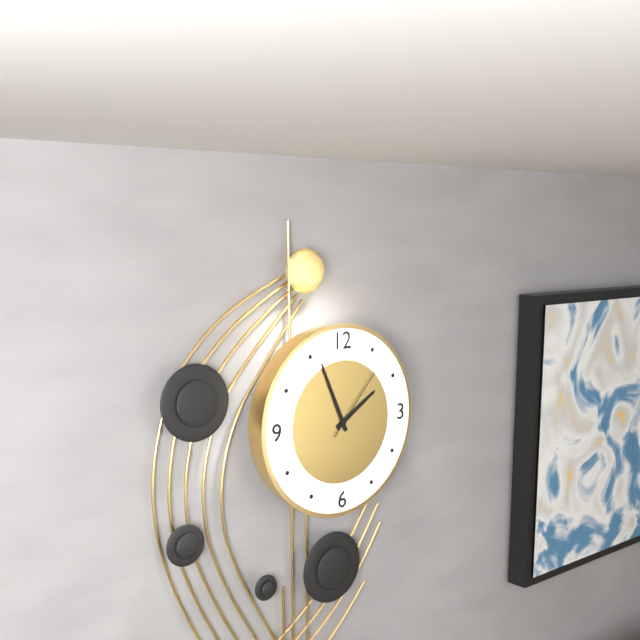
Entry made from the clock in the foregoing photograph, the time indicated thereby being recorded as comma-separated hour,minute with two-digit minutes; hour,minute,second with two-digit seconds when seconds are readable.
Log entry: 1,56,07
